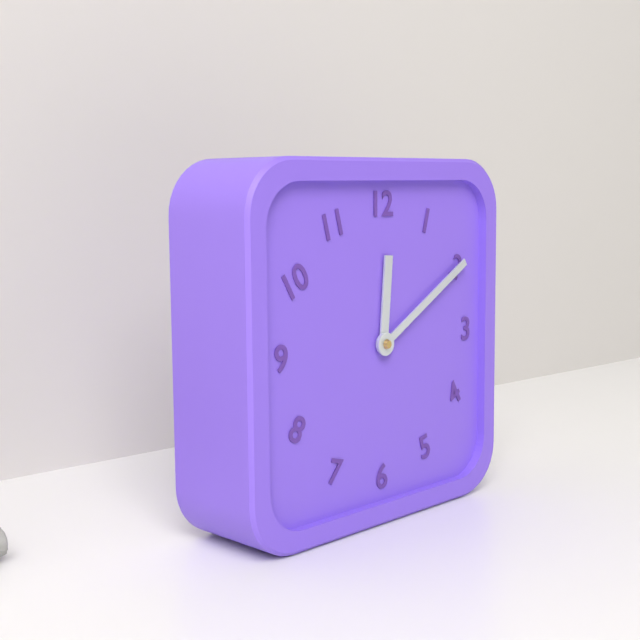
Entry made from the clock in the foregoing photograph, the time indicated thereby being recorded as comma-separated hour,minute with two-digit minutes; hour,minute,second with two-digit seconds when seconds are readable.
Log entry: 12,10
